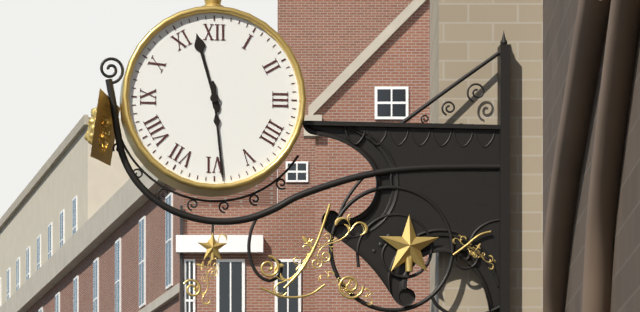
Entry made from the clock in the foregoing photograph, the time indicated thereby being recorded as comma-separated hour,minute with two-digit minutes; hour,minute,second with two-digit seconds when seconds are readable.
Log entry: 11,29
